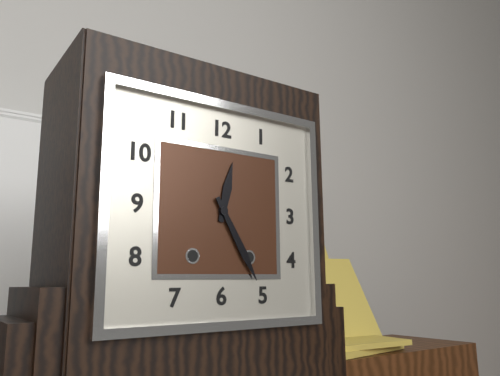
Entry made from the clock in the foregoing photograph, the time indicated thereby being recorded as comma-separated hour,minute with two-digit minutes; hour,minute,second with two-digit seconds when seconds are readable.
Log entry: 12,25
